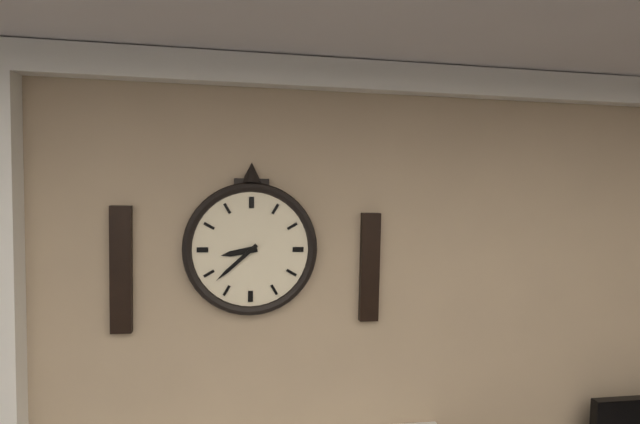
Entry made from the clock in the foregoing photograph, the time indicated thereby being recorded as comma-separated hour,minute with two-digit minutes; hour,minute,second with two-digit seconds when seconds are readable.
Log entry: 8,38
